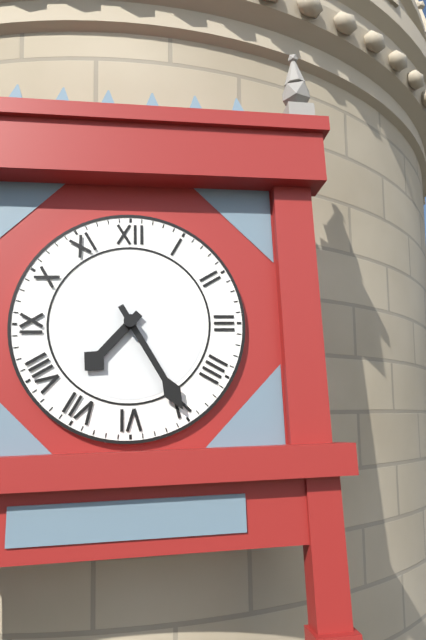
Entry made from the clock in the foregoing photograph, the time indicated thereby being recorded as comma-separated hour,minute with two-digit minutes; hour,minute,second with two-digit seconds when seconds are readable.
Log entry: 7,25
